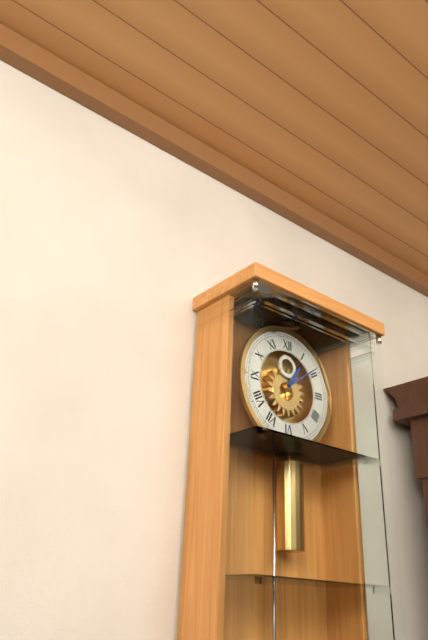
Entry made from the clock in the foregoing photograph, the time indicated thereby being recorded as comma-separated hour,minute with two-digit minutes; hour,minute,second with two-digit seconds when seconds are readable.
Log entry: 1,09
